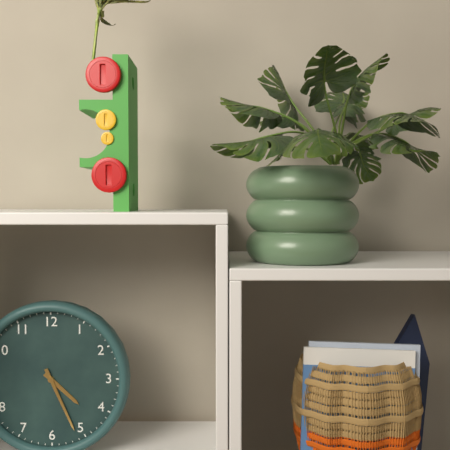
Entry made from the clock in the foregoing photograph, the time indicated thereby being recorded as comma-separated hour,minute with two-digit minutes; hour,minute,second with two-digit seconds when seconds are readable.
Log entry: 4,26
